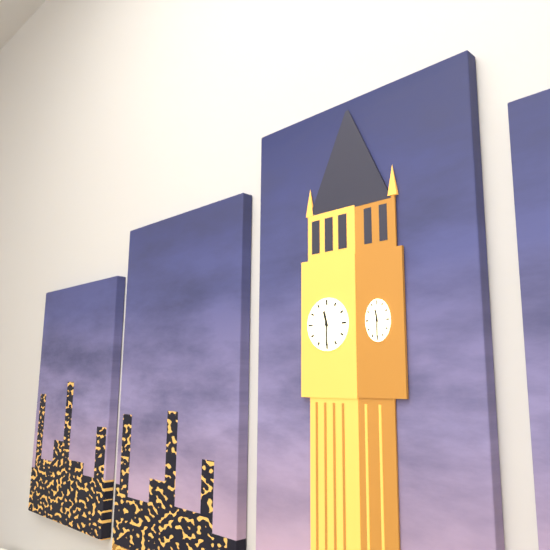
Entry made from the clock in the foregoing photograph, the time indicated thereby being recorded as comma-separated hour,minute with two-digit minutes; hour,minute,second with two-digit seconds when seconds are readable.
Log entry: 11,30
